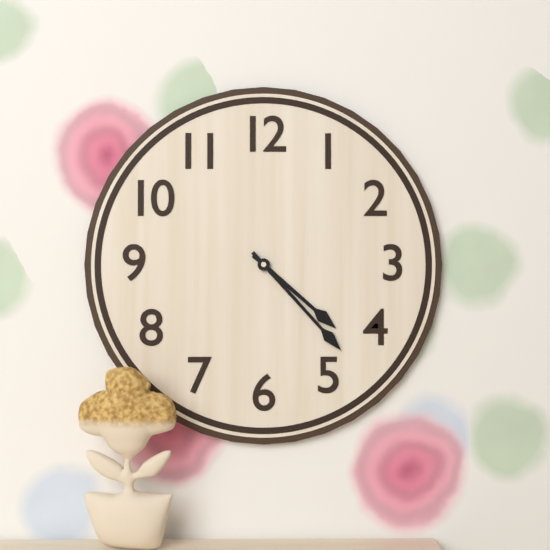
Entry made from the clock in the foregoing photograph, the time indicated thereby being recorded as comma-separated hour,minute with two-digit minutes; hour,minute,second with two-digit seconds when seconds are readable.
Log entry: 4,23
